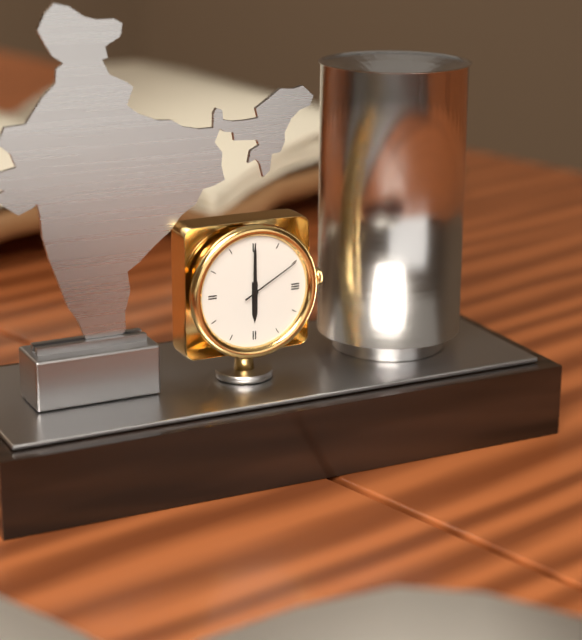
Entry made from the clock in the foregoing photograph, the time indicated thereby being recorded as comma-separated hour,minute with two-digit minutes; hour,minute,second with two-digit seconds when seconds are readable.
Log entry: 6,00,10
